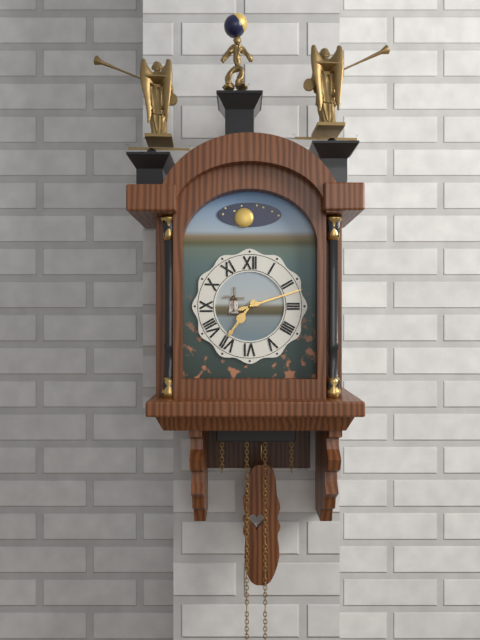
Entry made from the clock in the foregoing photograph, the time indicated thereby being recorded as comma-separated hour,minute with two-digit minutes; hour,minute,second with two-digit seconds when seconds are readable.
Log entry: 7,12
